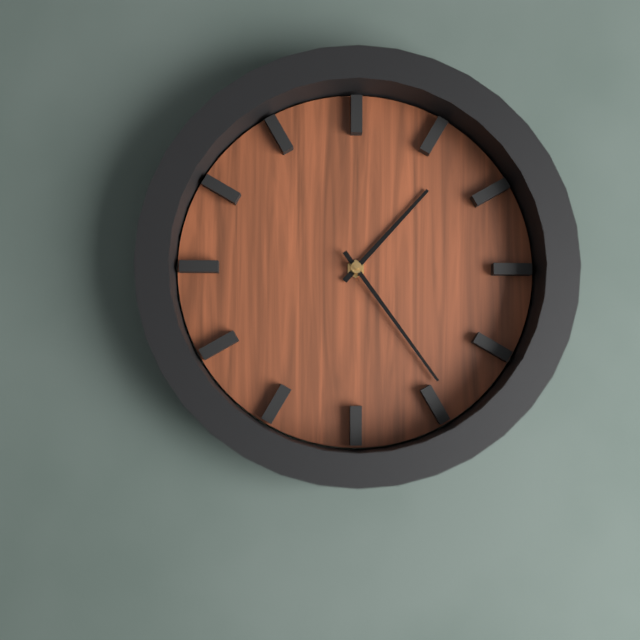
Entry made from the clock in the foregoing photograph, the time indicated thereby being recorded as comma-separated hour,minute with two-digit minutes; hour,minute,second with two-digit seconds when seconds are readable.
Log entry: 1,24
